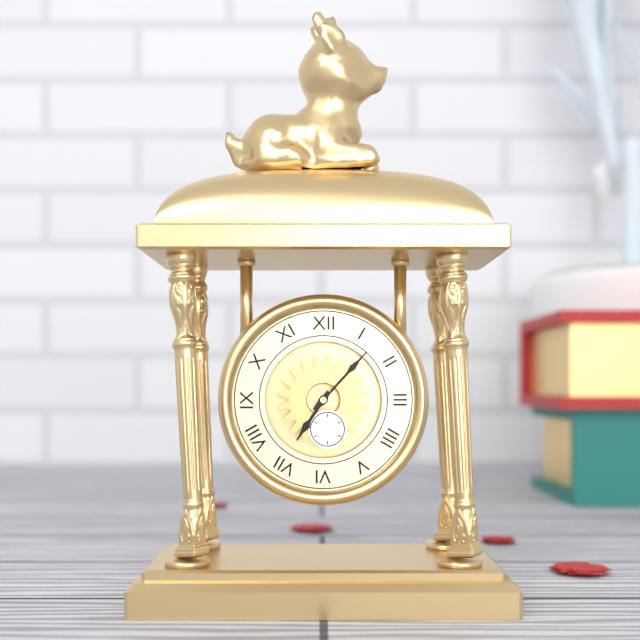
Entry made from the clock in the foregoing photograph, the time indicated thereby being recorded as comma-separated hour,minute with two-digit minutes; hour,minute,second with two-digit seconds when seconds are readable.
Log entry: 7,07
